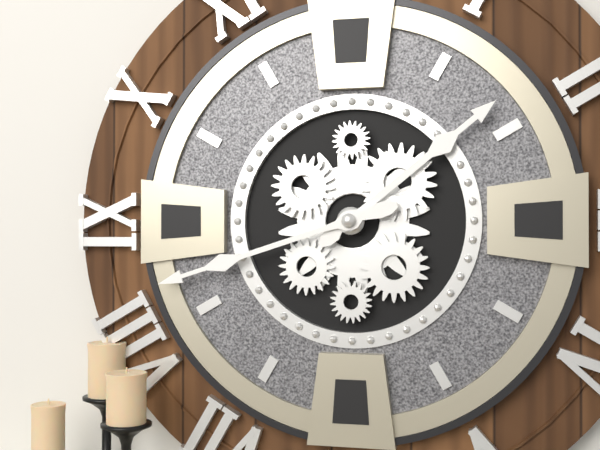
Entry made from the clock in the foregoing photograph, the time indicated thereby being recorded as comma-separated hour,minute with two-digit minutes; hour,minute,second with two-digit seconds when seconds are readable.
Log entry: 1,42
